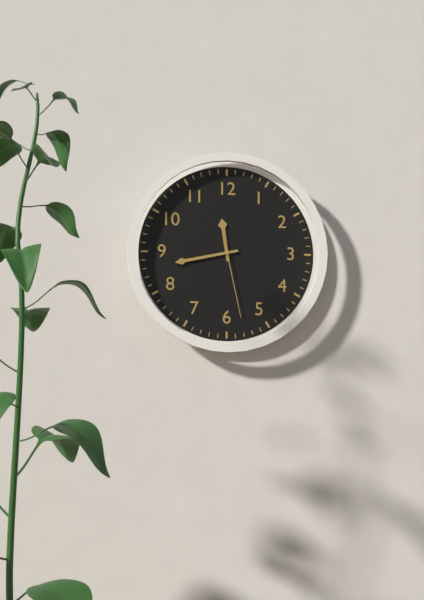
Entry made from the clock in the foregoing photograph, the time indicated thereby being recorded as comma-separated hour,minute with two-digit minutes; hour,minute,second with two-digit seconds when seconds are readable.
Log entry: 11,43,28
